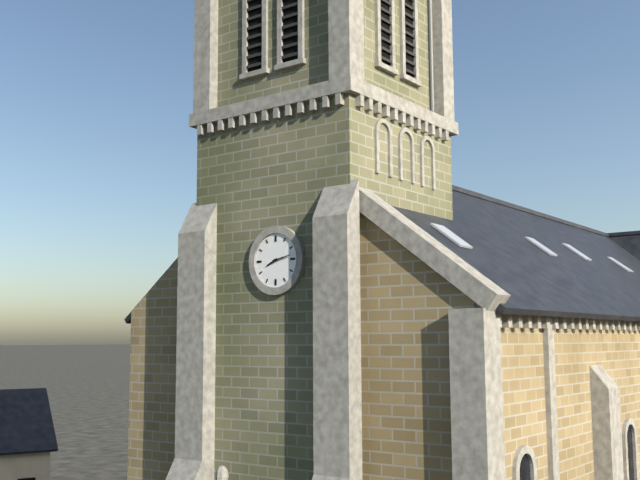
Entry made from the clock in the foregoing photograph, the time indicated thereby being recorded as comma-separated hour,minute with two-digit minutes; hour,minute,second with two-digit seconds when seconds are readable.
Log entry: 8,13
